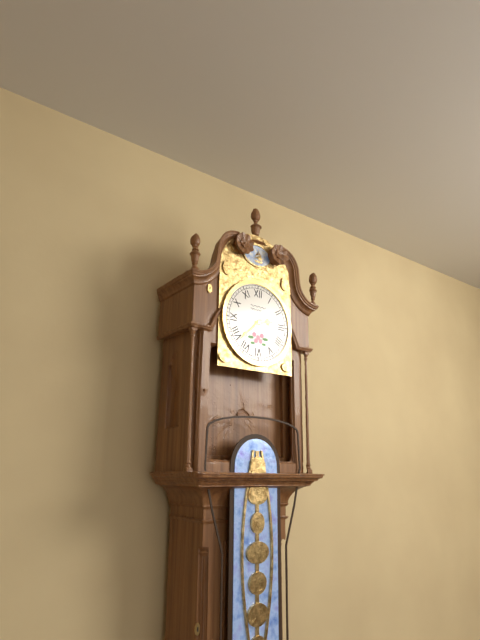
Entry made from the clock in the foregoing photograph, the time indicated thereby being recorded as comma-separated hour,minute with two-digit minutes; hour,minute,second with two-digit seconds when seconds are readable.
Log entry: 2,38
